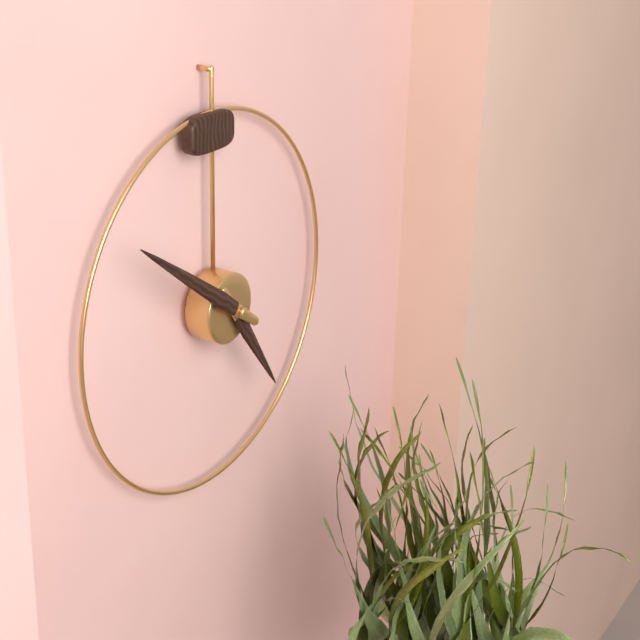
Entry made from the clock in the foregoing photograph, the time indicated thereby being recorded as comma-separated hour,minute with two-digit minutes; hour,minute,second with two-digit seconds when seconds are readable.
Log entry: 4,51
